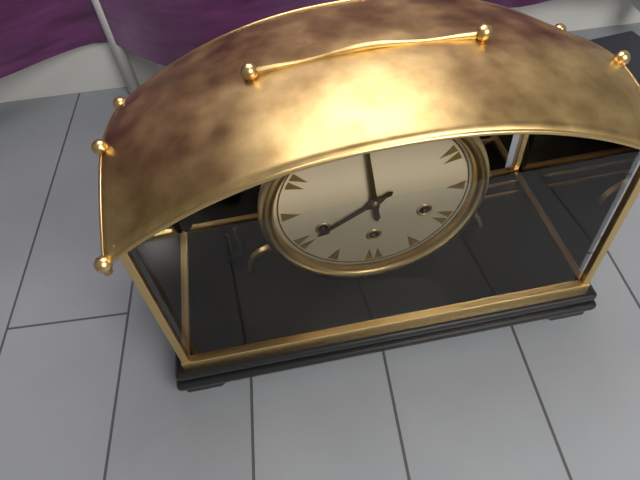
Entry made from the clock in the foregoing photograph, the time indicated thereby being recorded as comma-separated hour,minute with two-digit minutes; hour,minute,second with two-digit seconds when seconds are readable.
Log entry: 7,59
